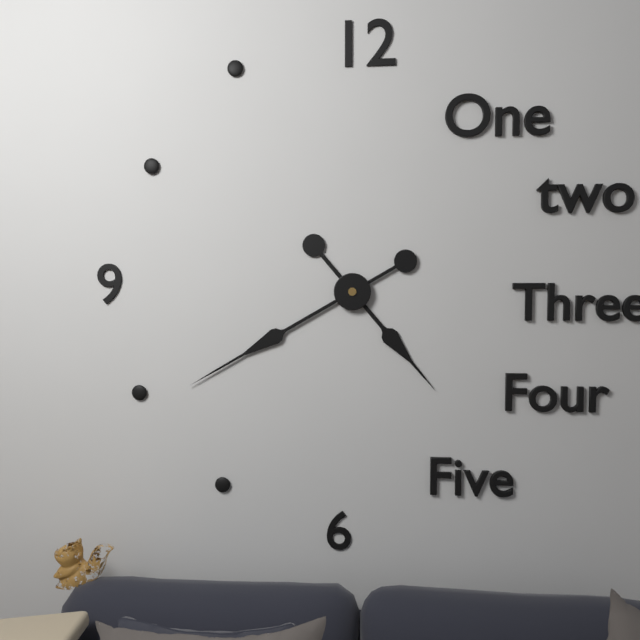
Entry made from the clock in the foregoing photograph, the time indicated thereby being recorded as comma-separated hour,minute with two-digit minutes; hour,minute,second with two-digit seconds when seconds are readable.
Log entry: 4,40
